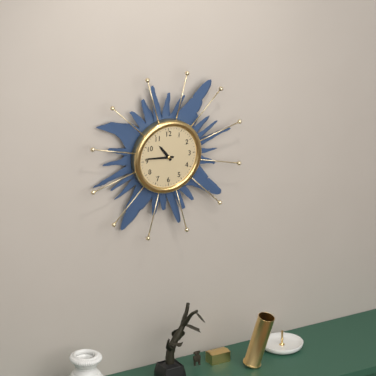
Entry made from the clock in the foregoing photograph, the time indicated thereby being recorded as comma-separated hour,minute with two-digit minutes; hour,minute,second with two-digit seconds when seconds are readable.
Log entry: 10,46
